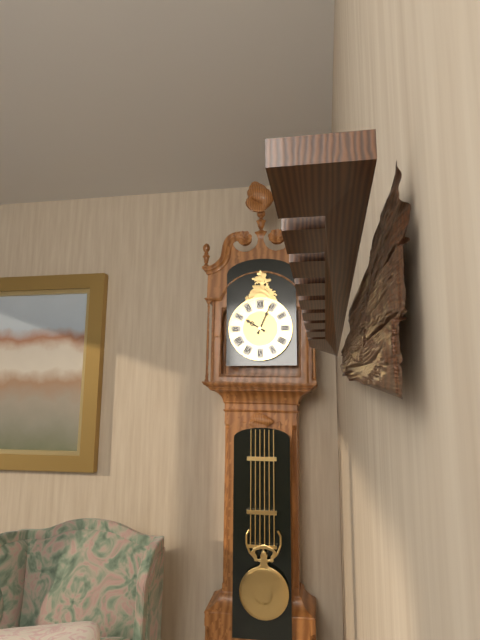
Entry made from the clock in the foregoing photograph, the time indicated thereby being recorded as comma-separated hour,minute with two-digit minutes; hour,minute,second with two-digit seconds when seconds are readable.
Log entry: 10,04
